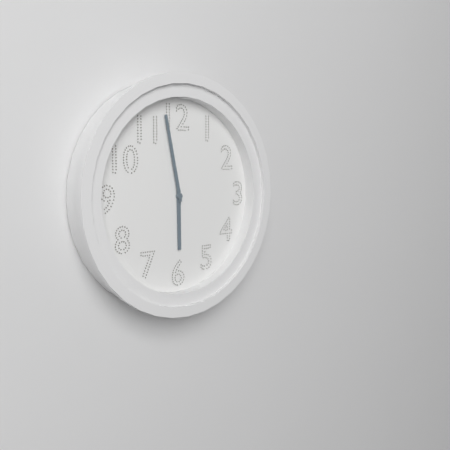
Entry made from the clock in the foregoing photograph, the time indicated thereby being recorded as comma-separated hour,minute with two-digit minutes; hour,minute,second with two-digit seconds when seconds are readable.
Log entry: 5,58
